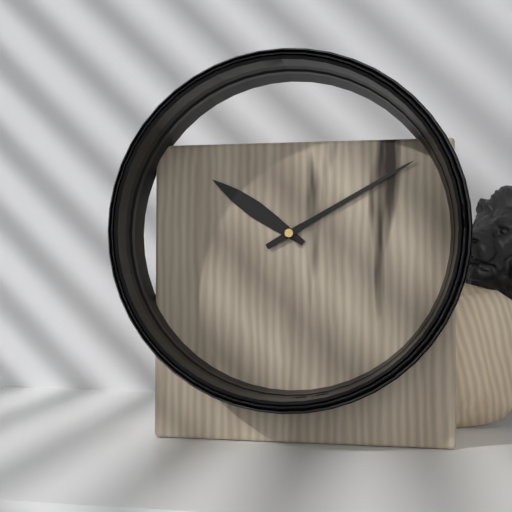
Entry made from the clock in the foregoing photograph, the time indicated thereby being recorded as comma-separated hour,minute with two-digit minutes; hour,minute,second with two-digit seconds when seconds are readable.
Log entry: 10,10
